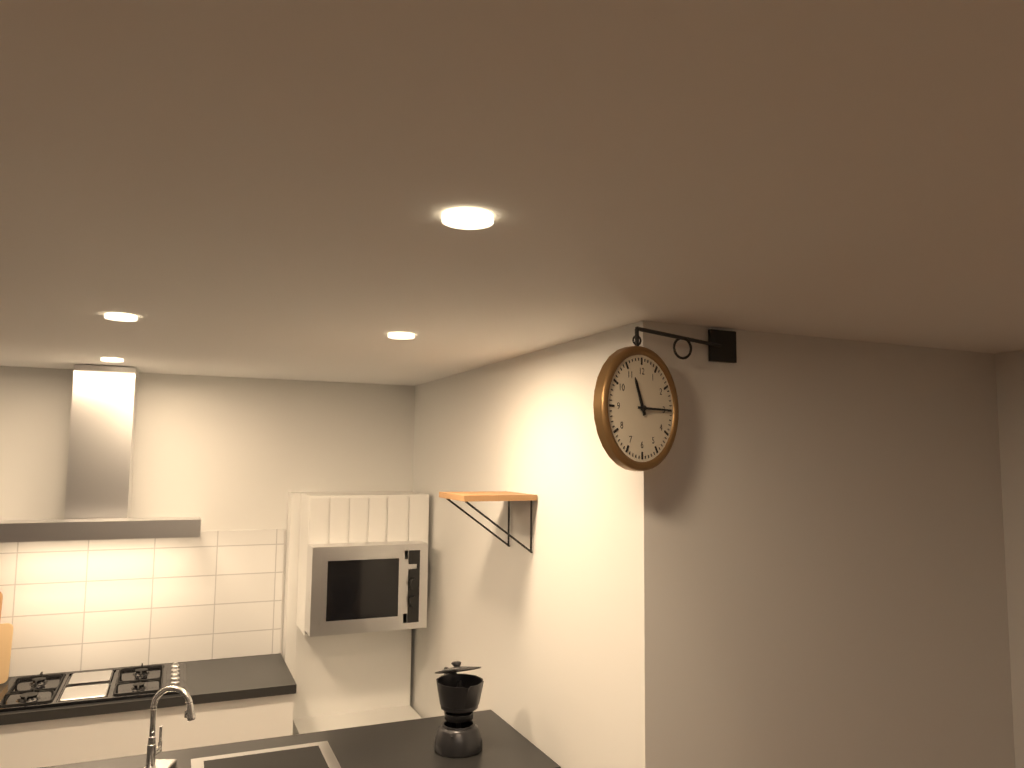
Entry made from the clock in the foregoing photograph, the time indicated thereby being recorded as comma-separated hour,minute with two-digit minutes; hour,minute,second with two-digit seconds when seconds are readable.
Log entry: 11,15
